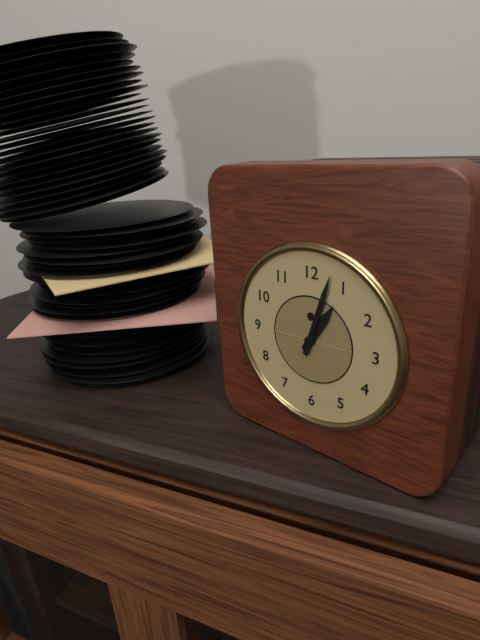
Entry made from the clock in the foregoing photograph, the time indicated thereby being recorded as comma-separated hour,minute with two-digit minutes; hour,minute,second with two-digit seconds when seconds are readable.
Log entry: 1,03
